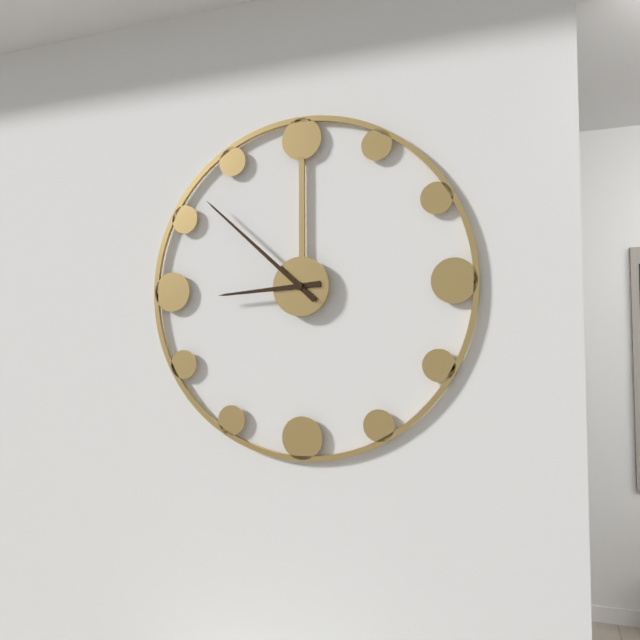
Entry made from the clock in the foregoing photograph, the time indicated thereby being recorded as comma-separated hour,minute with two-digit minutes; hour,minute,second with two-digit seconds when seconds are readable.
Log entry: 8,52
